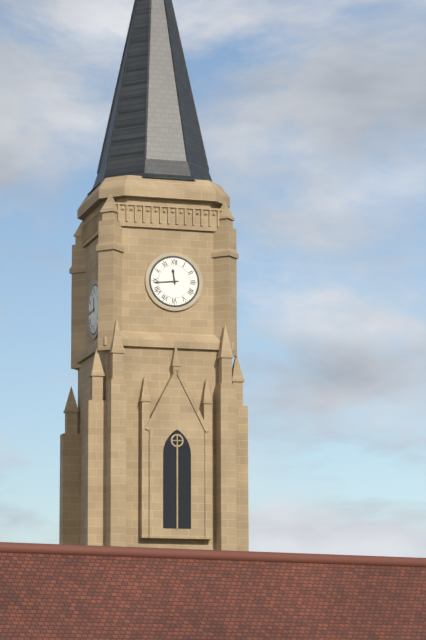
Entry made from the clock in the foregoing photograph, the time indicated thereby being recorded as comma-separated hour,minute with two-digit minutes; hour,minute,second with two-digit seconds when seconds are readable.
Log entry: 11,44
